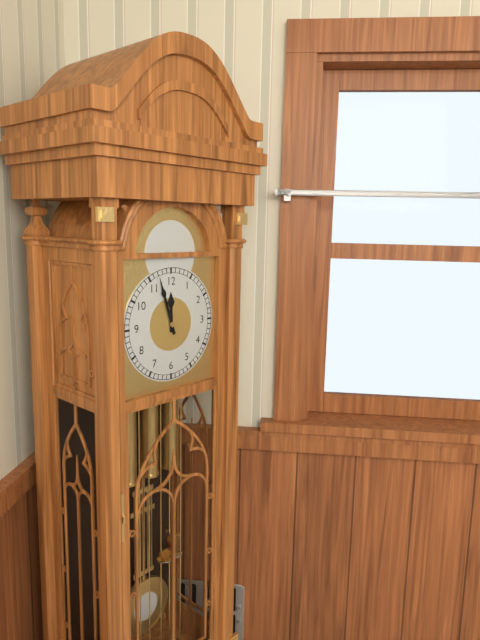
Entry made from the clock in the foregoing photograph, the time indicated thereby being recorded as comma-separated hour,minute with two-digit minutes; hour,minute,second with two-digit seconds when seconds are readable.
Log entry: 11,57
